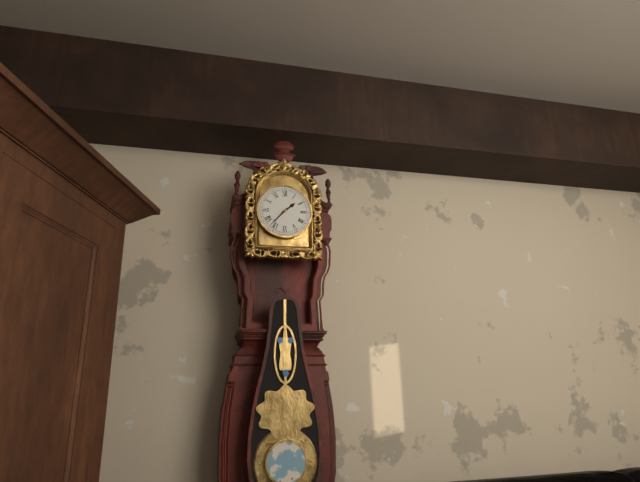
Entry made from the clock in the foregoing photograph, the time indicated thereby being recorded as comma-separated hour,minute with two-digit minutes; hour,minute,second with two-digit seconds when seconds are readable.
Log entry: 1,37
